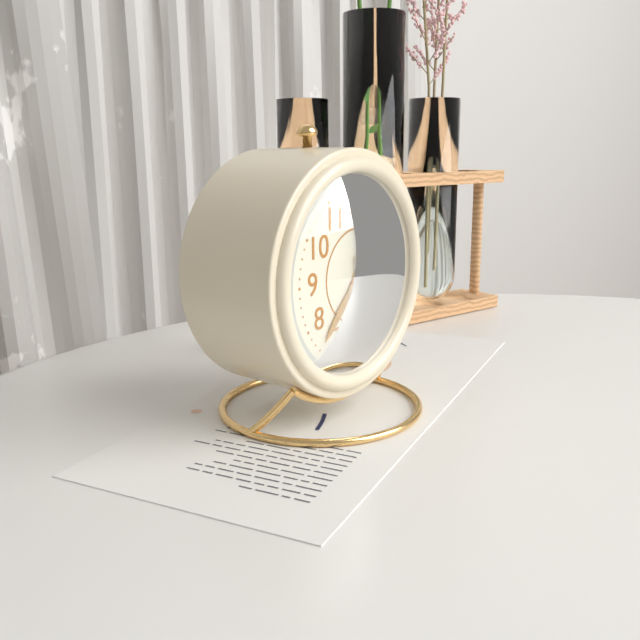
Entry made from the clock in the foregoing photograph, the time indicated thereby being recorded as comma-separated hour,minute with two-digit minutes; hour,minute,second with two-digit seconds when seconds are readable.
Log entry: 1,37,29
